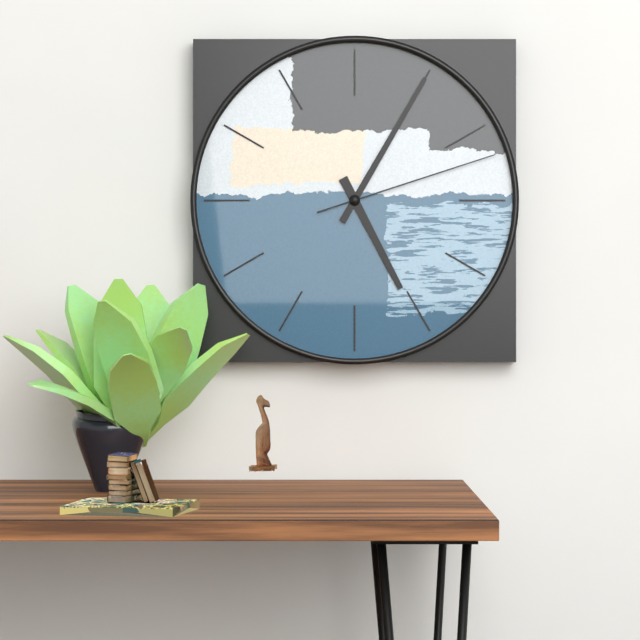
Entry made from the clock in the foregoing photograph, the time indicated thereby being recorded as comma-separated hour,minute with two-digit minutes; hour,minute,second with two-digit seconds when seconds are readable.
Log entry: 5,05,12
